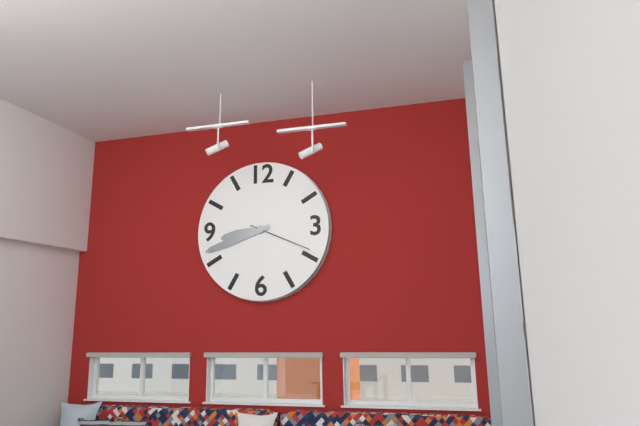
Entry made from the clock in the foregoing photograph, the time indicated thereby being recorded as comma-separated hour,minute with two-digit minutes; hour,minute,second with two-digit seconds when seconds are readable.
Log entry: 8,42,19
